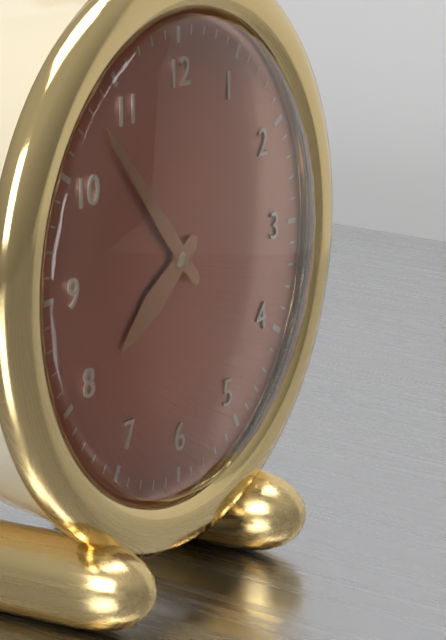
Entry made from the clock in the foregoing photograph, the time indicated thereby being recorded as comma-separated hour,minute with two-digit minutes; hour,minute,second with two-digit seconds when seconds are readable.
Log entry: 7,53
